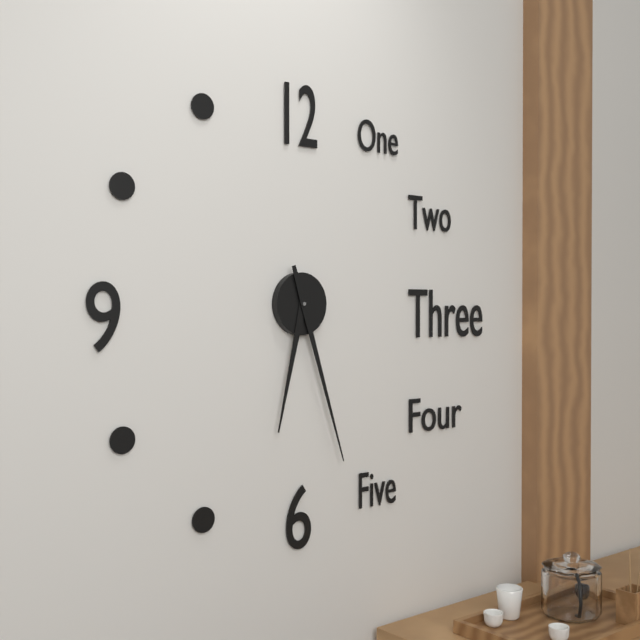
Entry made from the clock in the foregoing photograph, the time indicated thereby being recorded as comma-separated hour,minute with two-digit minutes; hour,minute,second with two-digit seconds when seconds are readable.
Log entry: 6,27
